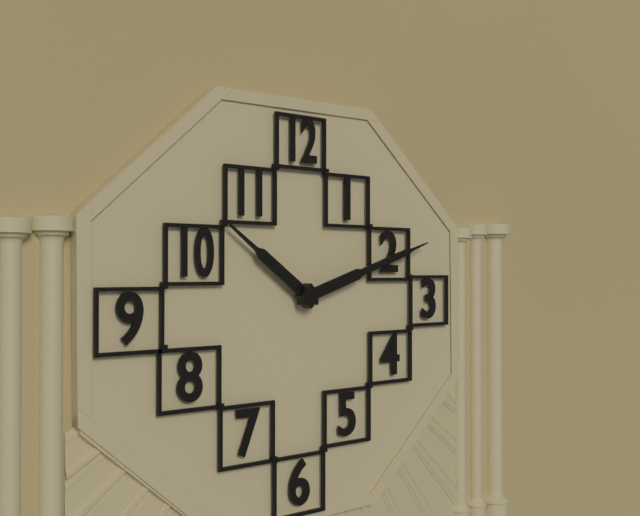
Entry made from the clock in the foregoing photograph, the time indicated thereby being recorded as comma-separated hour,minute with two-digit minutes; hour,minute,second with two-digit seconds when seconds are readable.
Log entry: 10,12
